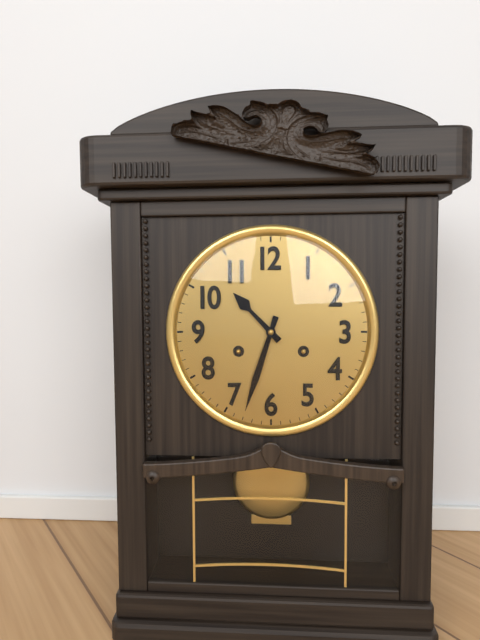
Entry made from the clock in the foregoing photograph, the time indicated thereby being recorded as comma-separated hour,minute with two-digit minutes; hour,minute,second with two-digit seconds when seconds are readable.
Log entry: 10,33
